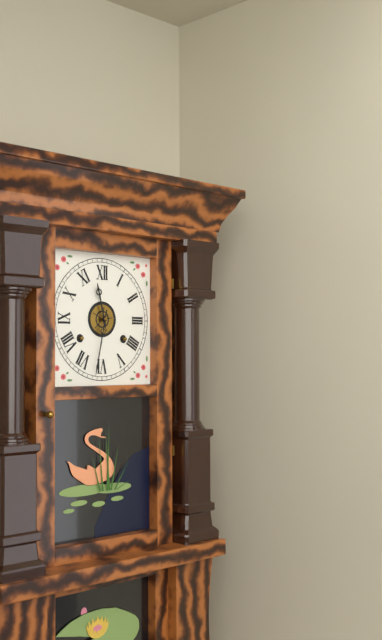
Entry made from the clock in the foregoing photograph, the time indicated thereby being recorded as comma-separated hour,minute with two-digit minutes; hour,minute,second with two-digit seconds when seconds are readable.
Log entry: 11,32
